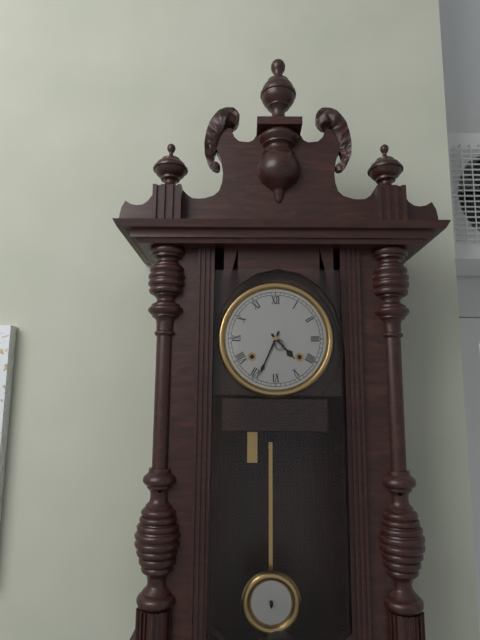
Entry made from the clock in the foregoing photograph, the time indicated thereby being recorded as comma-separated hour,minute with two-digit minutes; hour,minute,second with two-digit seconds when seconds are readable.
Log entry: 4,34
